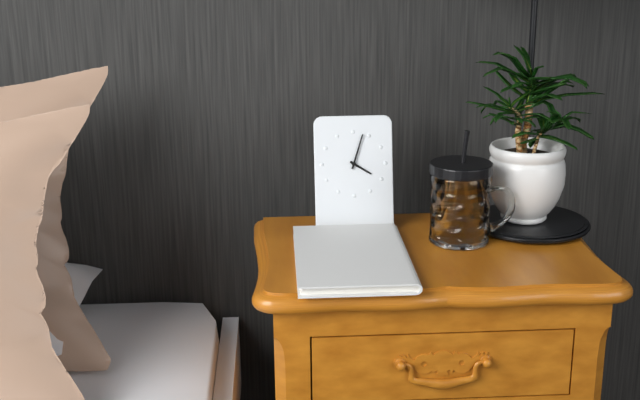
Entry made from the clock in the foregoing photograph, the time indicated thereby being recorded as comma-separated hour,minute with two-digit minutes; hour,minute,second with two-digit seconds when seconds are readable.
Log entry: 4,03
